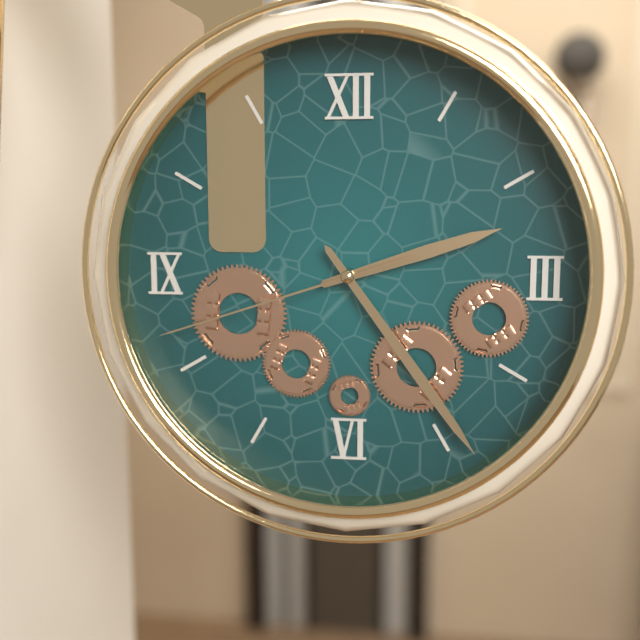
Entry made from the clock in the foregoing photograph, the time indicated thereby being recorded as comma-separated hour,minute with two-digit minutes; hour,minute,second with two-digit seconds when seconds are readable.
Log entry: 2,24,42
